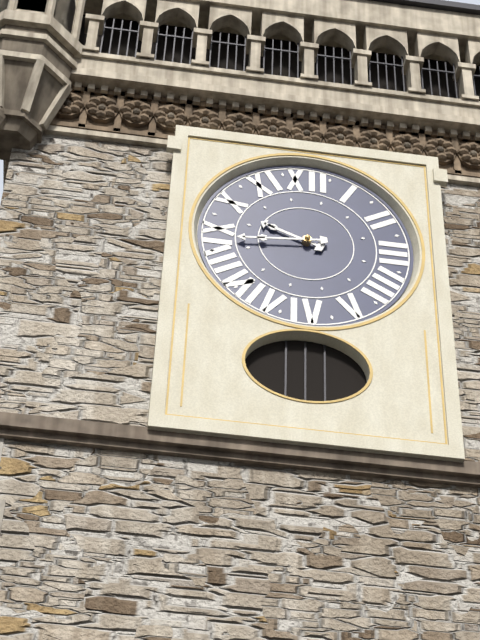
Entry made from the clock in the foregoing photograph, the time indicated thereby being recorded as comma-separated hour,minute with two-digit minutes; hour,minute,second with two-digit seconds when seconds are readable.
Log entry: 9,44
